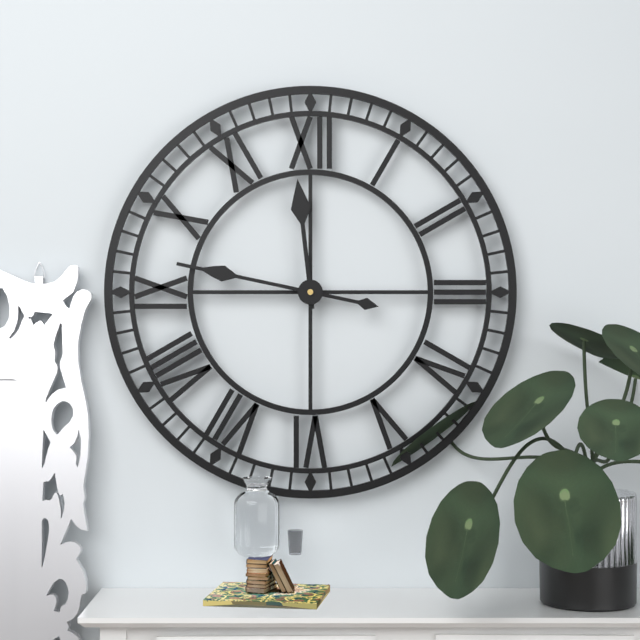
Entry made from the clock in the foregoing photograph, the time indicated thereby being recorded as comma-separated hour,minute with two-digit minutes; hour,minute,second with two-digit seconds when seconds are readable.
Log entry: 11,47
